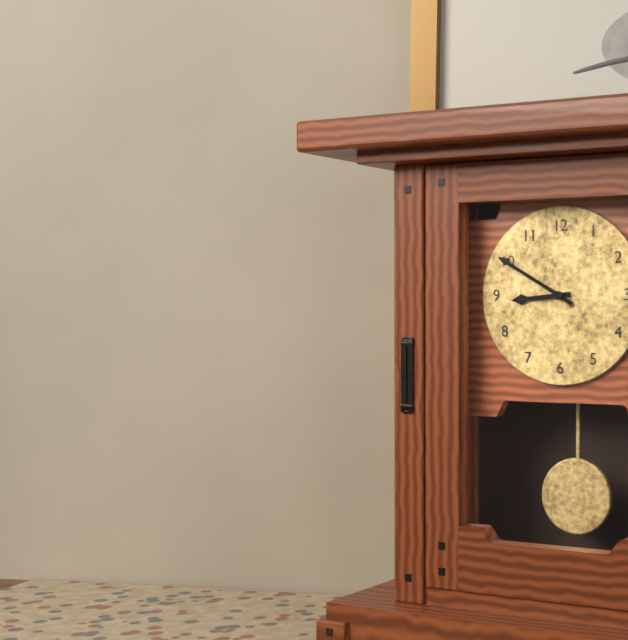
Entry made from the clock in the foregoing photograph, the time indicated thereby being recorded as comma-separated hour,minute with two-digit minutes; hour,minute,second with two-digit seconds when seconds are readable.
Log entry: 8,50
